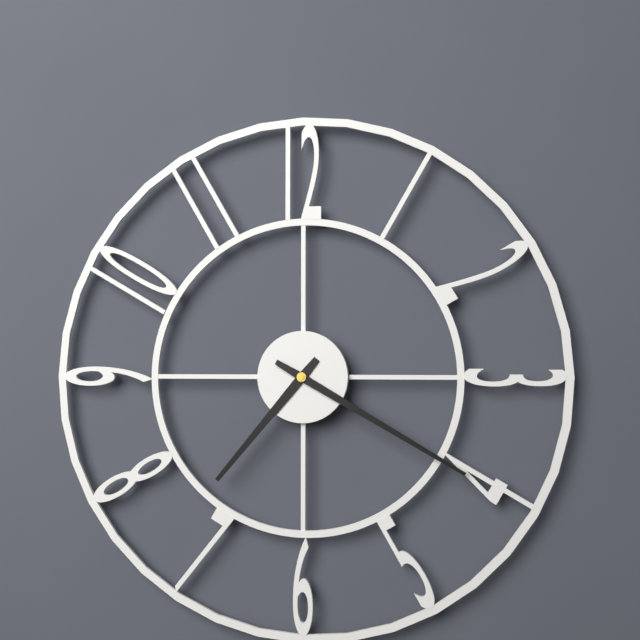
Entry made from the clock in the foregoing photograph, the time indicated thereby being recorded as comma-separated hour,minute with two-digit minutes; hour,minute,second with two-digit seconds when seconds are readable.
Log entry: 7,20
